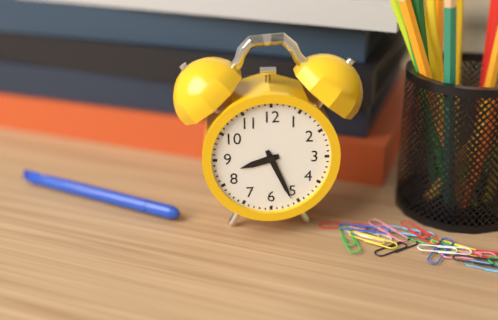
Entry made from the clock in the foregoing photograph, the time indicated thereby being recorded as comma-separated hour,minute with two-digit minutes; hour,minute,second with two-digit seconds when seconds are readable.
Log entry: 8,26
